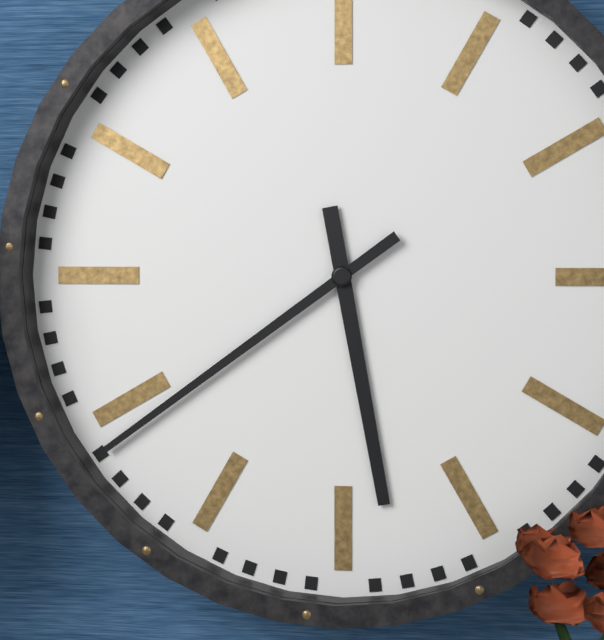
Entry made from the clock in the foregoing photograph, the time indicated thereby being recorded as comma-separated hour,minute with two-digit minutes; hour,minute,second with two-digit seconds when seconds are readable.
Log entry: 5,39
